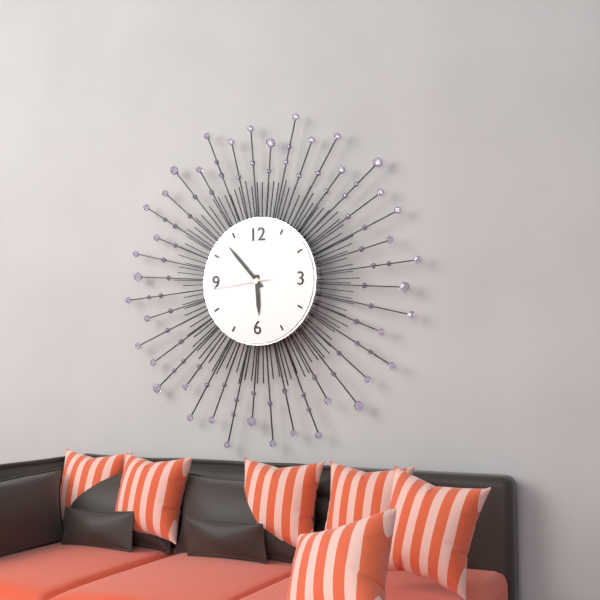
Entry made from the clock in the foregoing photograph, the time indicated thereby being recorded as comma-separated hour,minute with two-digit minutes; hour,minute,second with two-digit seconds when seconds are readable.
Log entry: 5,53,44
